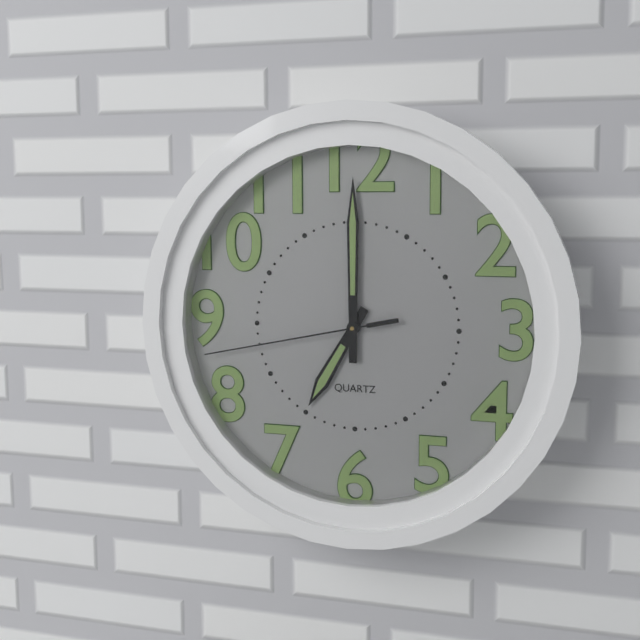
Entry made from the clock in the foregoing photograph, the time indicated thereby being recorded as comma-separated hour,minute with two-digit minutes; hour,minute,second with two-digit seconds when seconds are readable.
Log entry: 7,00,43
